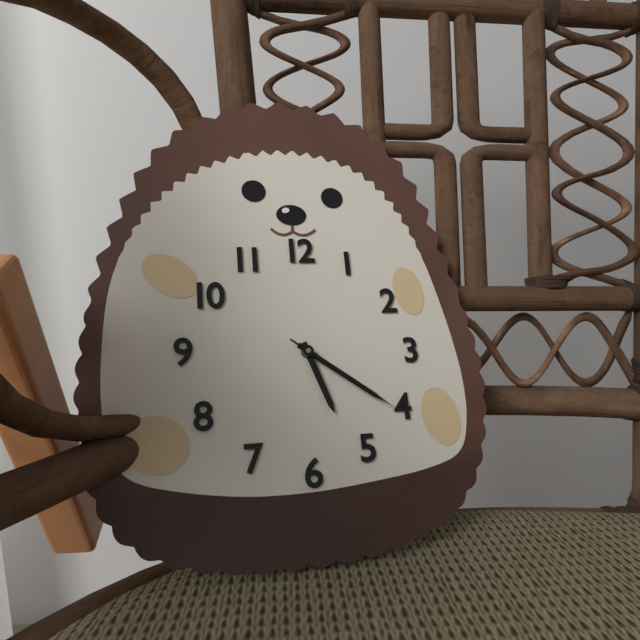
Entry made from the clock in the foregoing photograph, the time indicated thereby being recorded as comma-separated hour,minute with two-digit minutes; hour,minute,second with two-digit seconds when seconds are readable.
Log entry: 5,21,21
